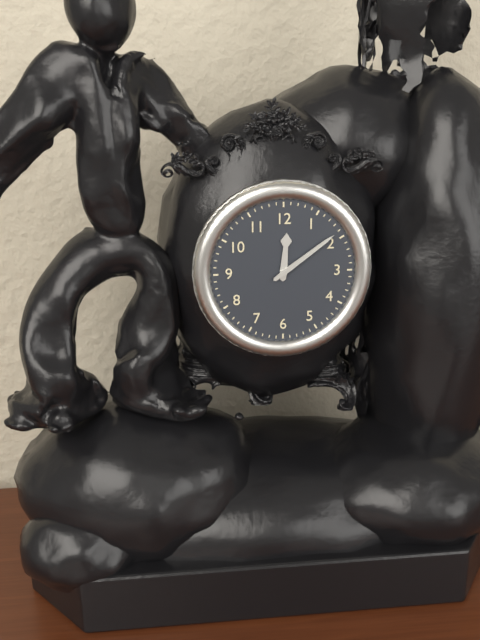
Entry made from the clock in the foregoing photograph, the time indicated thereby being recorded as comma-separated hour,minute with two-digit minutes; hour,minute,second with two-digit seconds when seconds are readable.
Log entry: 12,09
